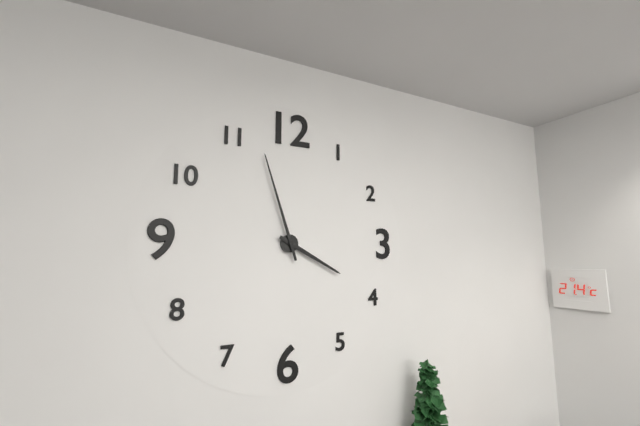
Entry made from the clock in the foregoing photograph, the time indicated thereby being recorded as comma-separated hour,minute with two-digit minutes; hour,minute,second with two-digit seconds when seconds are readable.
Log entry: 3,57
